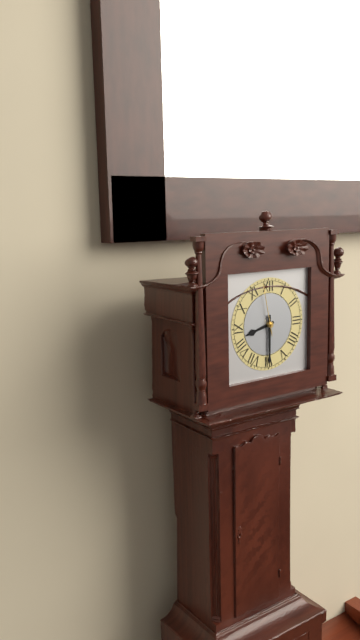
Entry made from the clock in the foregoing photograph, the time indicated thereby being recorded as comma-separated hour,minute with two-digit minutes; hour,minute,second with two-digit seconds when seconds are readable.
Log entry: 8,30,58
